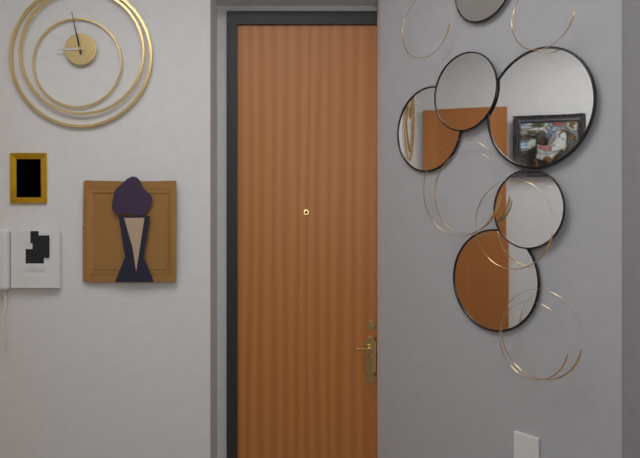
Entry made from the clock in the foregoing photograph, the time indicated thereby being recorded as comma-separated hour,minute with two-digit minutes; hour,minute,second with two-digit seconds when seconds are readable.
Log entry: 8,58
